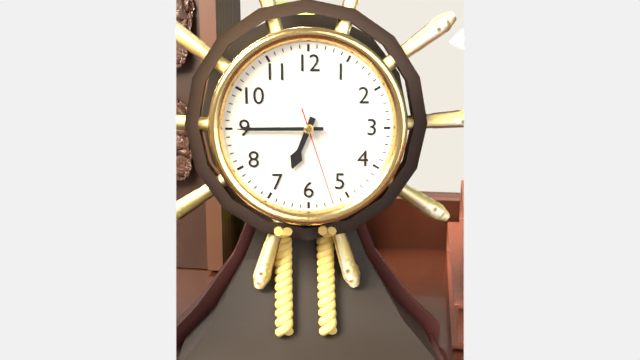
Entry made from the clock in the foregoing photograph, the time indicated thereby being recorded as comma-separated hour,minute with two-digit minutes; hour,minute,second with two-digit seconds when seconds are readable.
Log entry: 6,45,27
